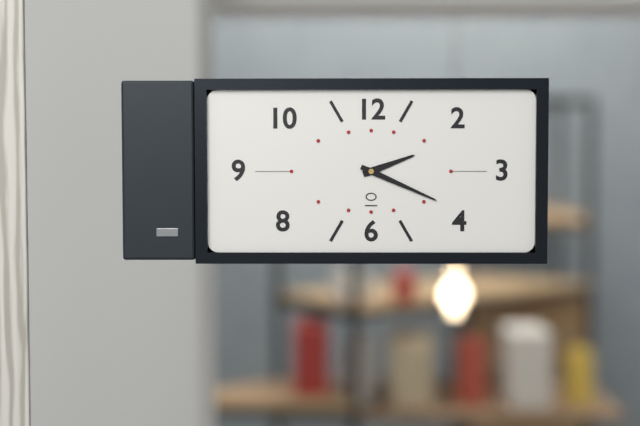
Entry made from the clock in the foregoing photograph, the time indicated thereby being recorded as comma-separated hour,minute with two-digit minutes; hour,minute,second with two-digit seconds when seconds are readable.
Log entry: 2,19
